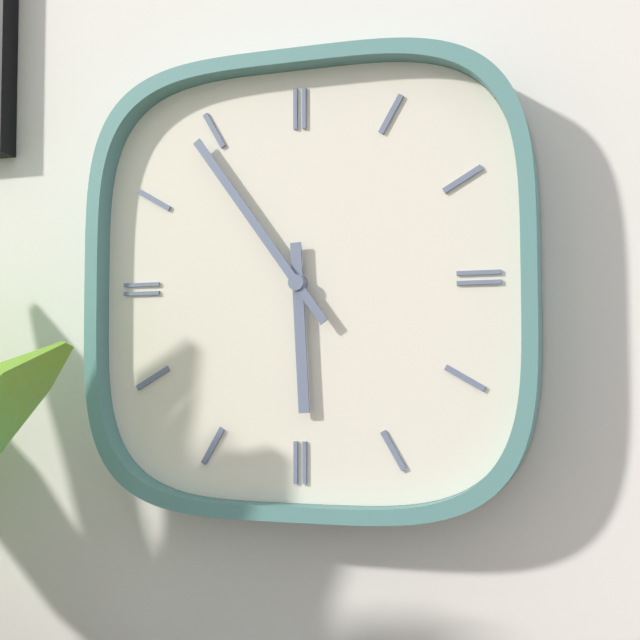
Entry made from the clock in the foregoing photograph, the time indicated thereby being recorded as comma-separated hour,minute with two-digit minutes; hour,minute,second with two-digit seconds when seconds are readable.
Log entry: 5,54
